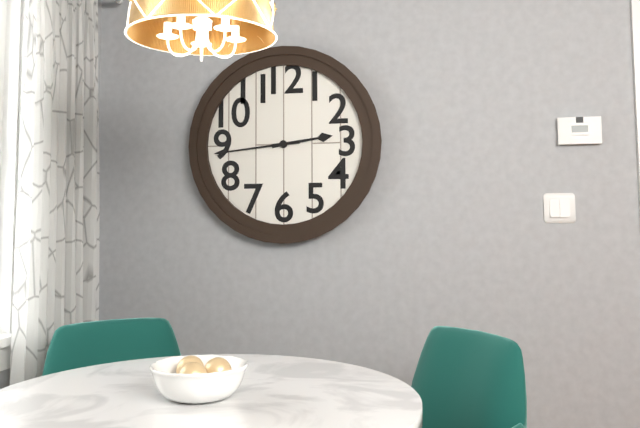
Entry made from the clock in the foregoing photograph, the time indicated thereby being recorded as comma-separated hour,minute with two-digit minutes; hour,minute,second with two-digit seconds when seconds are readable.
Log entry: 2,44
